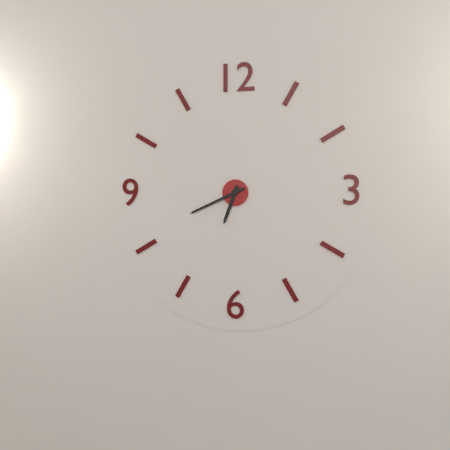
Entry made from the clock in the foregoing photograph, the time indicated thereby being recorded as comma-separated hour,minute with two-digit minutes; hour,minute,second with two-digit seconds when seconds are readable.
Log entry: 6,41
